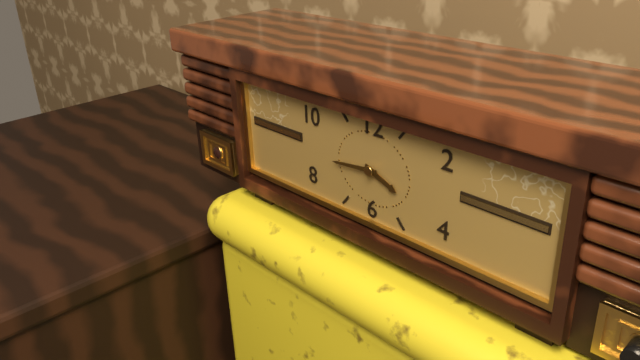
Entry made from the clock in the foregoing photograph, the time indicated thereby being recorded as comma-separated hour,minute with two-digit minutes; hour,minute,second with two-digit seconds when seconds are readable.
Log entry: 3,44
